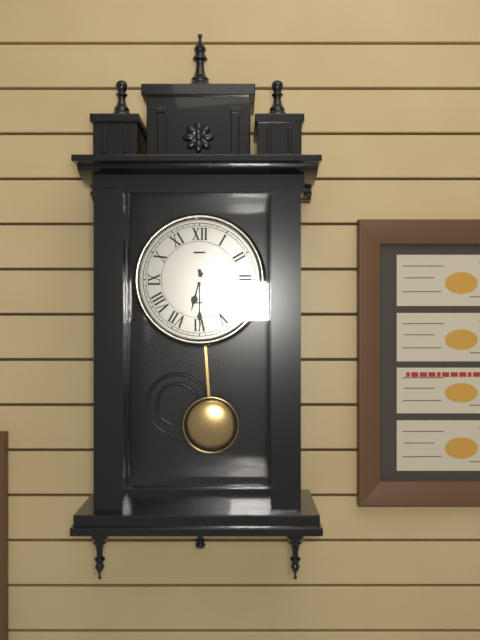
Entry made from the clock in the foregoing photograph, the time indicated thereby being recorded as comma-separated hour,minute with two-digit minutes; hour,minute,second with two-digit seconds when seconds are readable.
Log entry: 6,30
